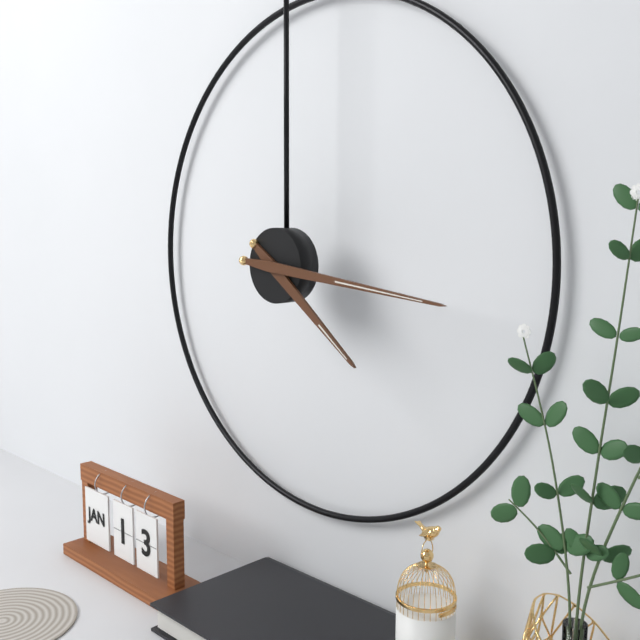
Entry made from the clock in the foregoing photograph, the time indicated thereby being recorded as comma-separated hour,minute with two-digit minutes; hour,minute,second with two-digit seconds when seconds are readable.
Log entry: 4,16
